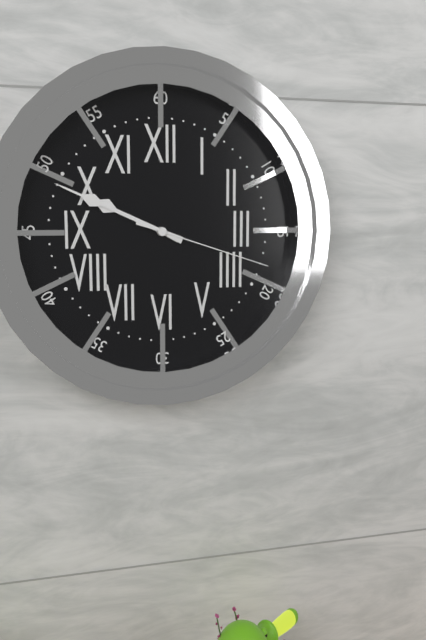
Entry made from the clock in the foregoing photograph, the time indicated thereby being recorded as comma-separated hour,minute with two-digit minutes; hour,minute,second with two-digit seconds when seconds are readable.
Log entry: 9,49,18
